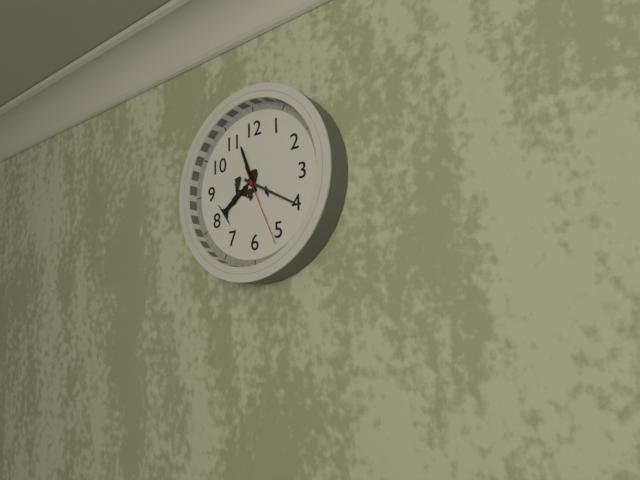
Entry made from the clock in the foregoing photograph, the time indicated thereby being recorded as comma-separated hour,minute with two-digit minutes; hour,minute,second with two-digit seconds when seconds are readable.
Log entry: 11,20,26
